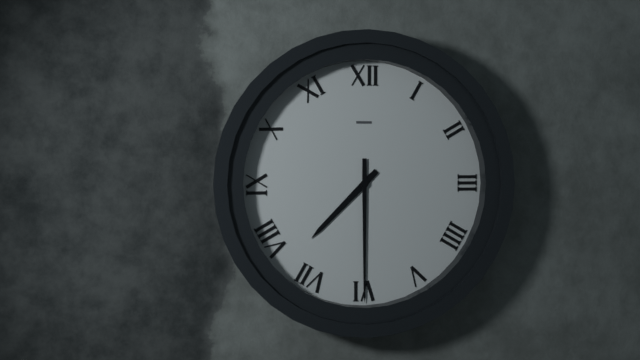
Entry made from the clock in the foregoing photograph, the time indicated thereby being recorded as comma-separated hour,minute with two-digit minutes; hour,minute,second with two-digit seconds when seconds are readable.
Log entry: 7,30
